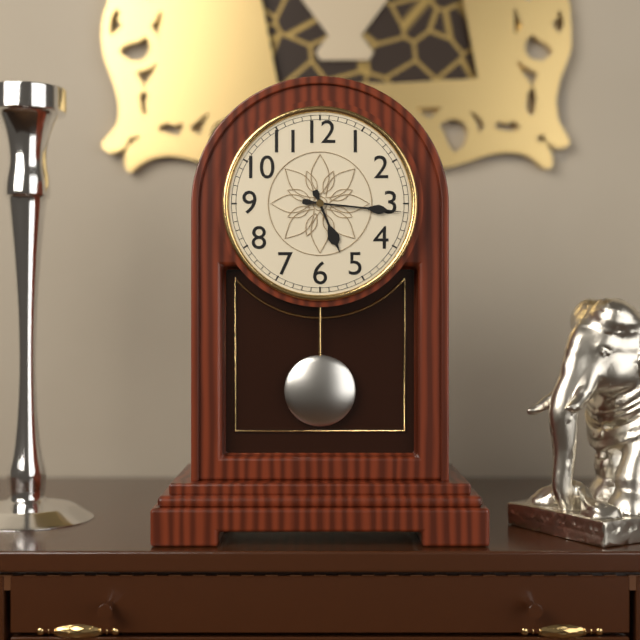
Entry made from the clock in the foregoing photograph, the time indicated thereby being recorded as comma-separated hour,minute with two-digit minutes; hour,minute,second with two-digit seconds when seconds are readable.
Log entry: 5,16
